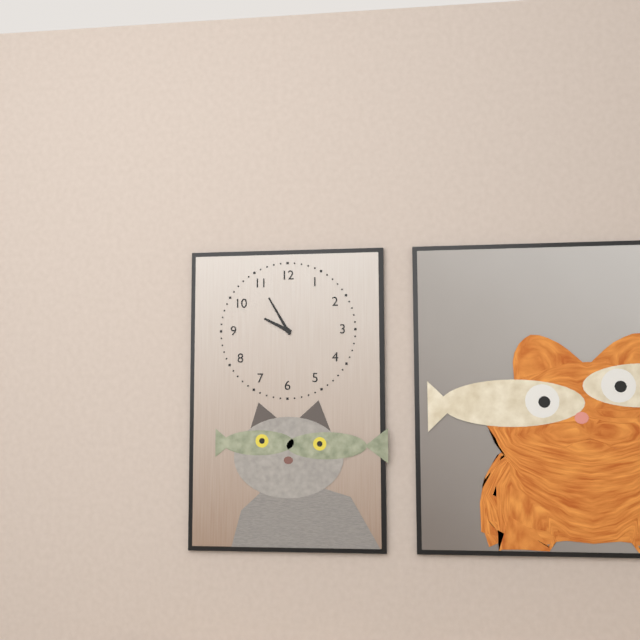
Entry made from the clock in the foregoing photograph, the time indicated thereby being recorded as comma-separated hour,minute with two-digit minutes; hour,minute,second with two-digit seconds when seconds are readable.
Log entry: 9,55
